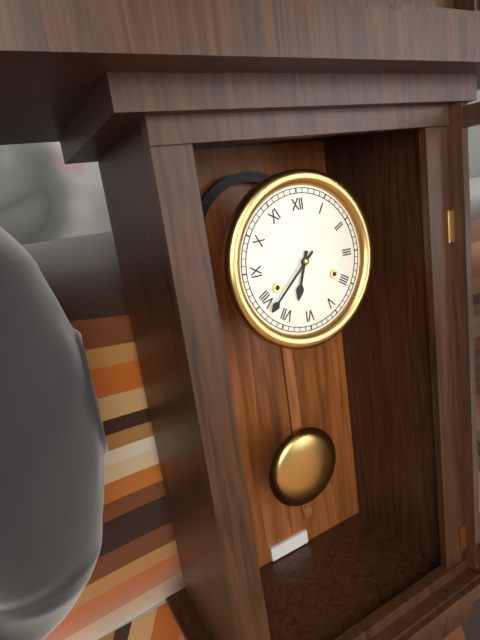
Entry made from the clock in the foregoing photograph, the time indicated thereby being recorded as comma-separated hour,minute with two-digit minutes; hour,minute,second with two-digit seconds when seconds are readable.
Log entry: 6,38
